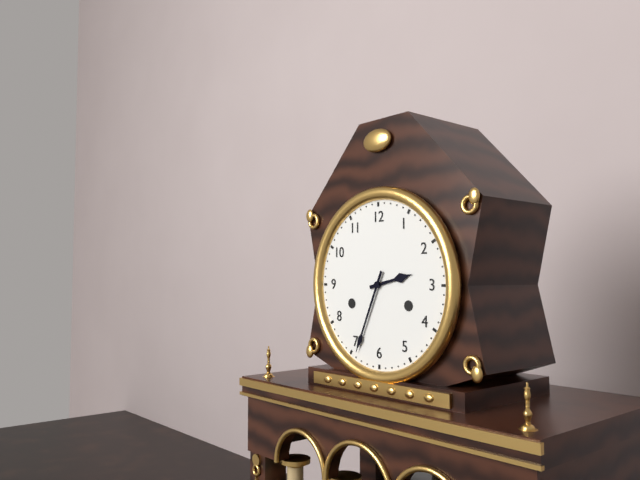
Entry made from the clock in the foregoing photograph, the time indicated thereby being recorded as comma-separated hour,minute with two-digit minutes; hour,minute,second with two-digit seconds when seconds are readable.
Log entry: 2,34
